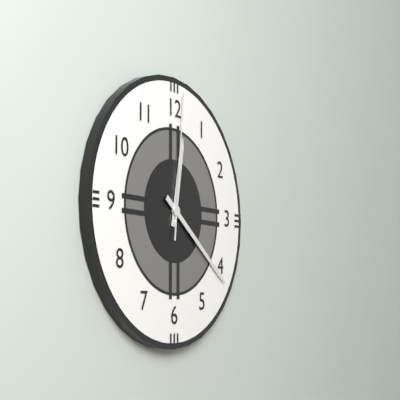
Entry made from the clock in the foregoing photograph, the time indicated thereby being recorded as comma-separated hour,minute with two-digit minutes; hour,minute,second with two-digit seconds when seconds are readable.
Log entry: 12,21,01
